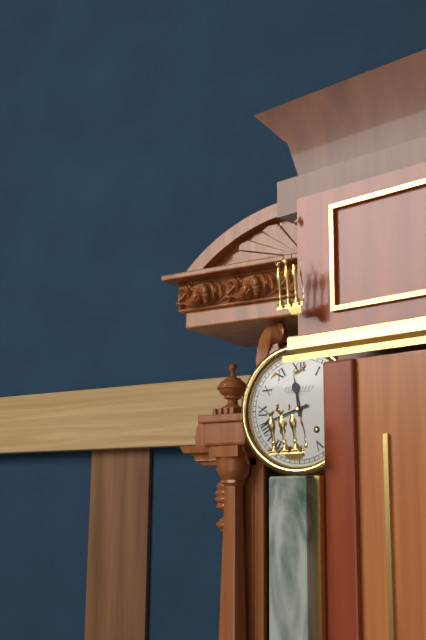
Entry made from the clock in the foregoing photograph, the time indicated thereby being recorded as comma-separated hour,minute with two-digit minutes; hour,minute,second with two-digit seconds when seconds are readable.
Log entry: 11,42
